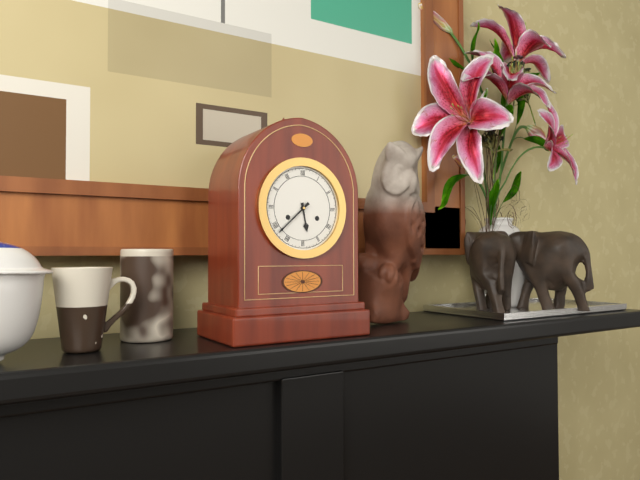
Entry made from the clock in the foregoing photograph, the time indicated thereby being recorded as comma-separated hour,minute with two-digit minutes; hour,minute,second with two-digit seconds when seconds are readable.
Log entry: 5,38
